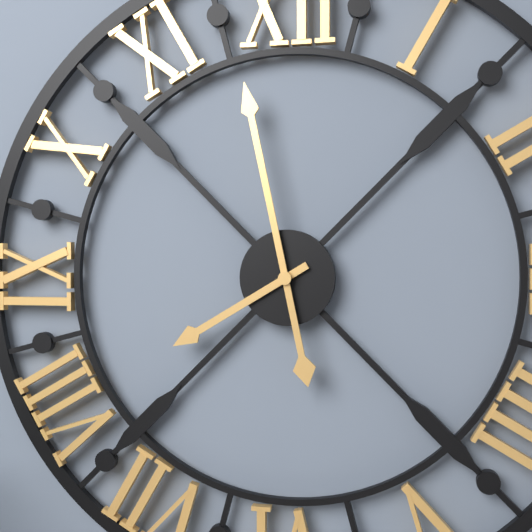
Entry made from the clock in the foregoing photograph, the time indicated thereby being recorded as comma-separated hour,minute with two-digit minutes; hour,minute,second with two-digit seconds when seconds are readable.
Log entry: 7,58
